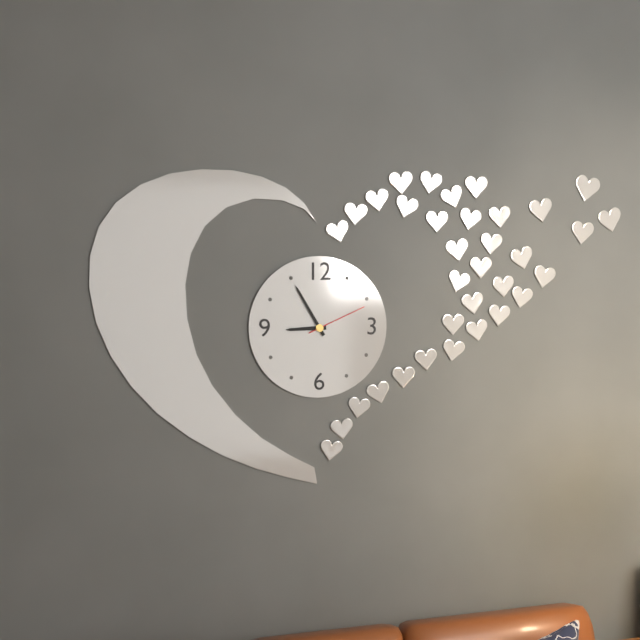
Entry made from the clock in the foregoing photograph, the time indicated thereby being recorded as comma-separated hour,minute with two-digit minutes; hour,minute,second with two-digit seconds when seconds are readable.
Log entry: 8,55,11
